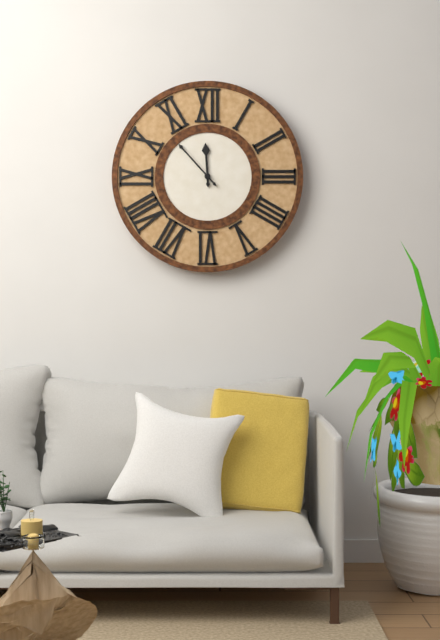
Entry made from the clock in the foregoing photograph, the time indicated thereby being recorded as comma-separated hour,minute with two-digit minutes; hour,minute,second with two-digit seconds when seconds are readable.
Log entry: 11,53
